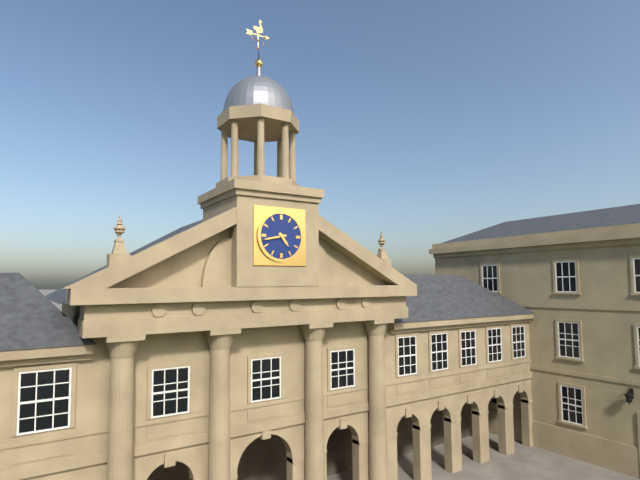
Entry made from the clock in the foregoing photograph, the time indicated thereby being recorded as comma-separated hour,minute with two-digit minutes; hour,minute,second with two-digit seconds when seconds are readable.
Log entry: 4,43
